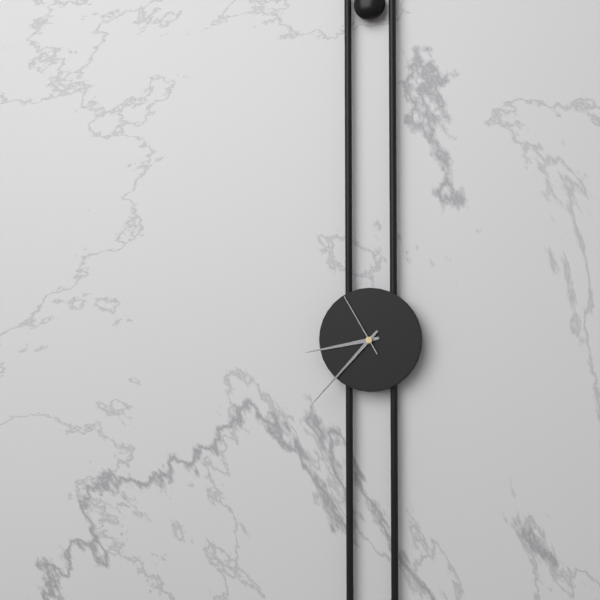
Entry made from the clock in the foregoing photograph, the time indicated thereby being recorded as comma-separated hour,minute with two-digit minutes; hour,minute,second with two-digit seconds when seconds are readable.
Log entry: 8,37,55
